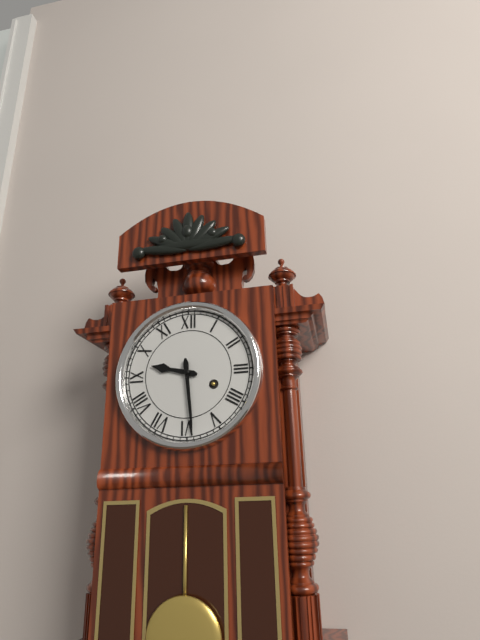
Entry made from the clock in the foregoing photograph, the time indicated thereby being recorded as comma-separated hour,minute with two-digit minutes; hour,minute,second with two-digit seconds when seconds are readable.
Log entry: 9,29
